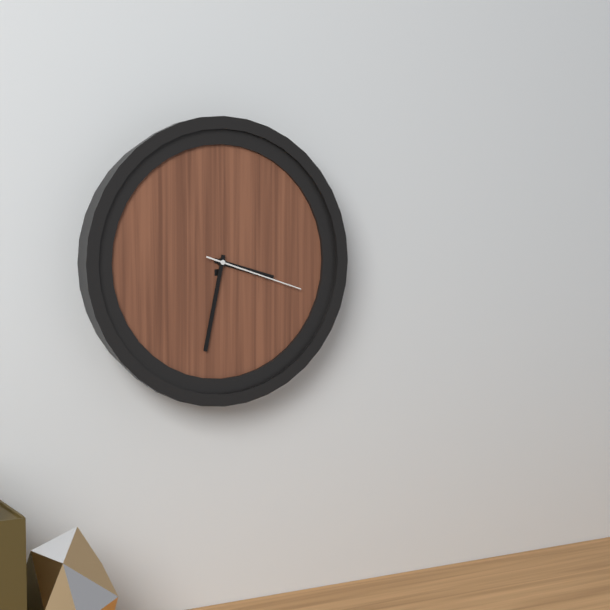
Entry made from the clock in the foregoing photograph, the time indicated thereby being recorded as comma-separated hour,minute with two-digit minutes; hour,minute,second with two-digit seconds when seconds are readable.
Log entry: 3,32,18
